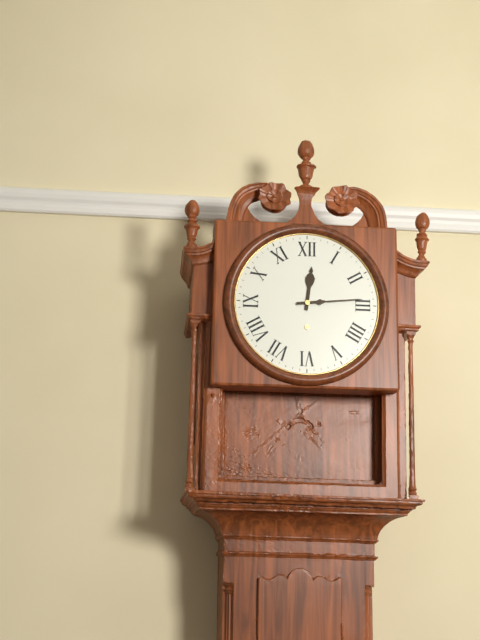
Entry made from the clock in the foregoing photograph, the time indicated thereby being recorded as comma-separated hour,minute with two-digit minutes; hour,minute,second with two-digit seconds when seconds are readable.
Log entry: 12,14
